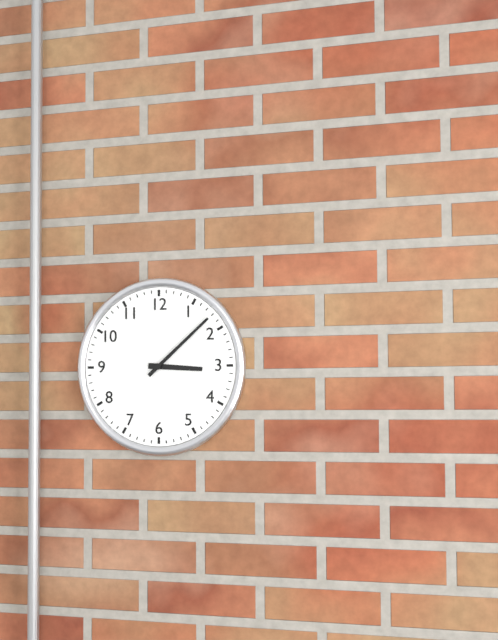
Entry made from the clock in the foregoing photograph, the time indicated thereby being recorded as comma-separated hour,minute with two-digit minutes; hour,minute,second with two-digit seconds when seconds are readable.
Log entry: 3,08
